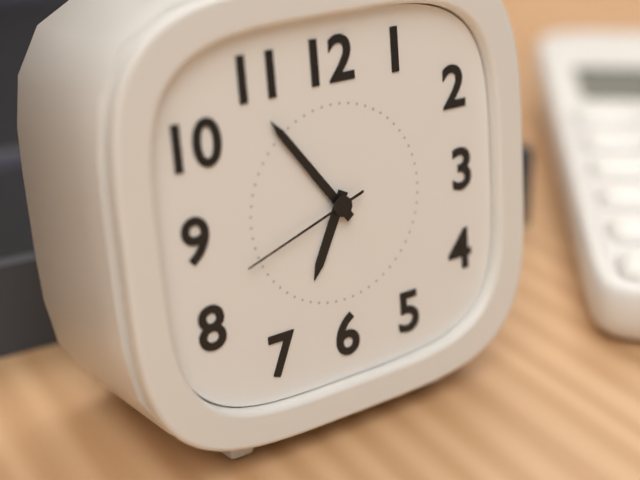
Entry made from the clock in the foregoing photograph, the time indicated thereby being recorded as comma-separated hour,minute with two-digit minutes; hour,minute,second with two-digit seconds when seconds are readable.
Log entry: 6,54,42
